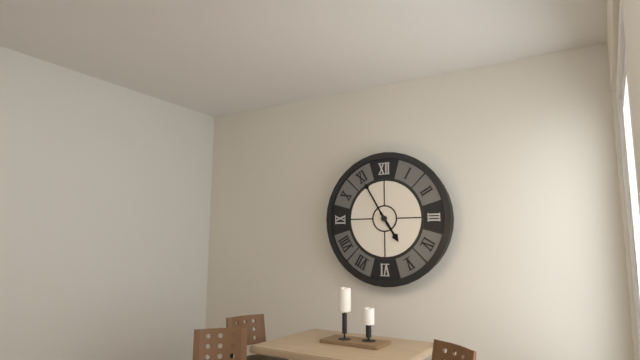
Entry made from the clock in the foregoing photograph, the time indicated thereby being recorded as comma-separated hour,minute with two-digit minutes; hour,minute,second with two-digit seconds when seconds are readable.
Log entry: 4,55
